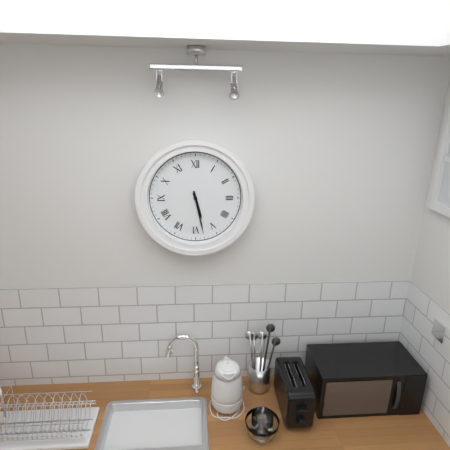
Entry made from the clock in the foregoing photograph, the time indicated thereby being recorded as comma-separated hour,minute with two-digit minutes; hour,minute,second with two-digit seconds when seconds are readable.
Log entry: 5,28
